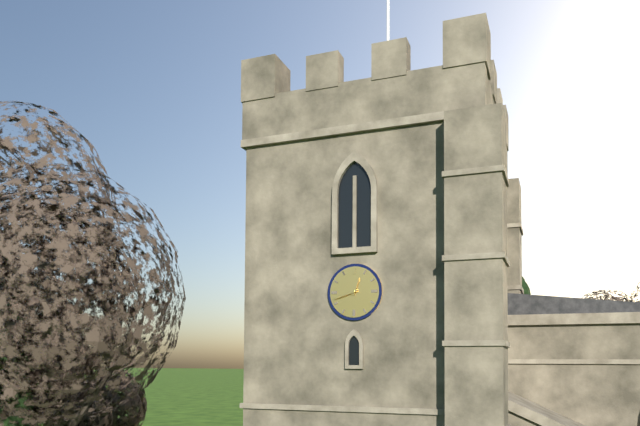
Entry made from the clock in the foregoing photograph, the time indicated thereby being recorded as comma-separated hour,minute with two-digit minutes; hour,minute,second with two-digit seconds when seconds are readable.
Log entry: 12,42
